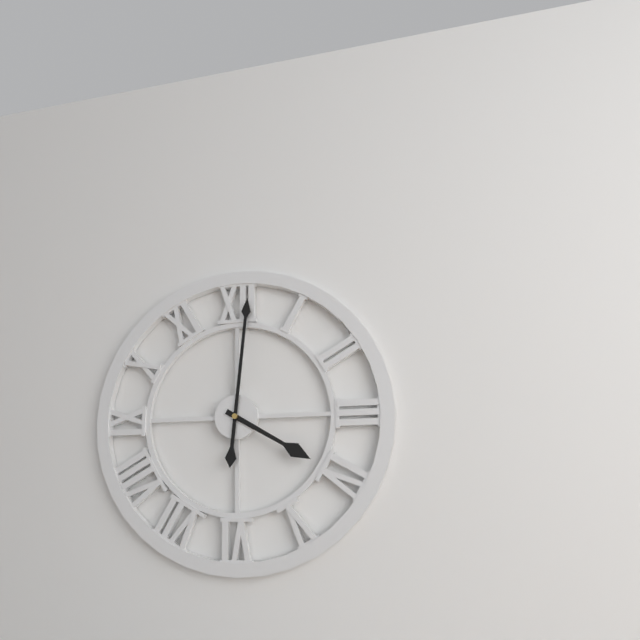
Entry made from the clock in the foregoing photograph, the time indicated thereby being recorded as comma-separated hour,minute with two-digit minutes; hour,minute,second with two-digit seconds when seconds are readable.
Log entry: 4,01
